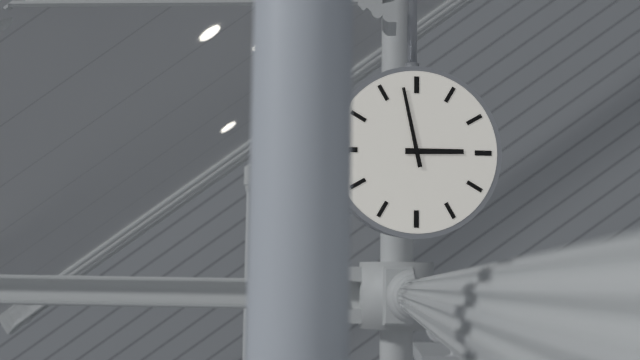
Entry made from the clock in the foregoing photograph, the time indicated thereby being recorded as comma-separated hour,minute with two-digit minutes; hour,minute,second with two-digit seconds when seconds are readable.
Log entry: 2,58
